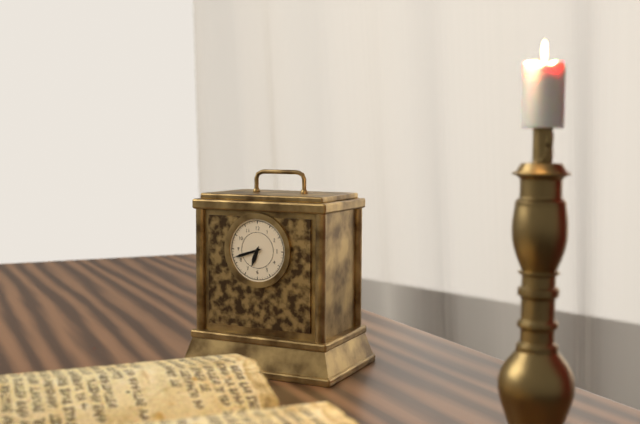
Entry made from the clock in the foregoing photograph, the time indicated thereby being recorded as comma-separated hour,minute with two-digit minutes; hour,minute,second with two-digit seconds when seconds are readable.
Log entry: 6,42
